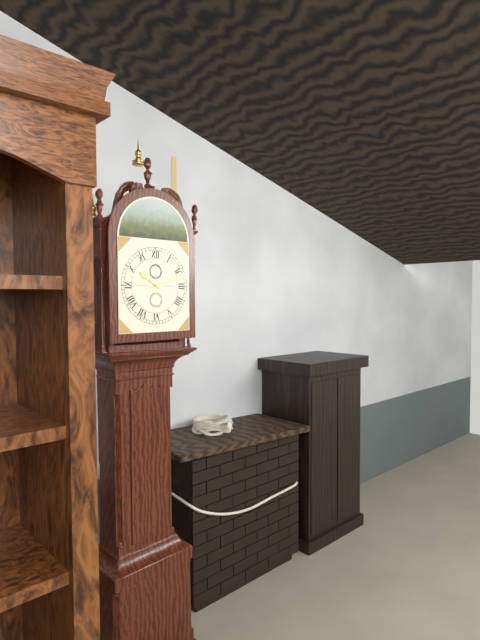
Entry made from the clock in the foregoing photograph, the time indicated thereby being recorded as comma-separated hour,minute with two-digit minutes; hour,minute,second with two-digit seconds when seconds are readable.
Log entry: 10,12
